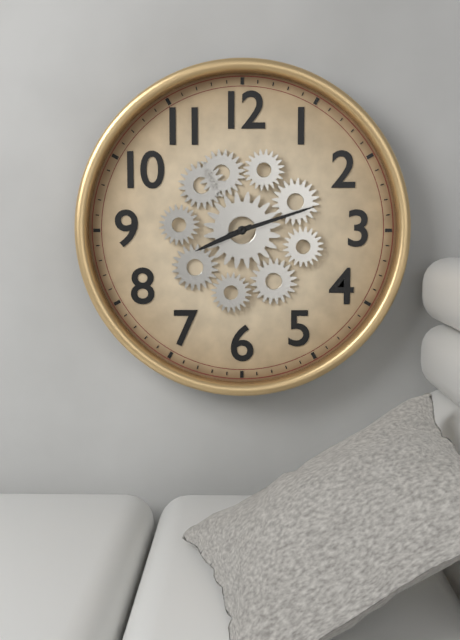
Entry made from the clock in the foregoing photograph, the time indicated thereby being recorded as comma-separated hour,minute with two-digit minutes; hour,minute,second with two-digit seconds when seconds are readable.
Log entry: 8,12
